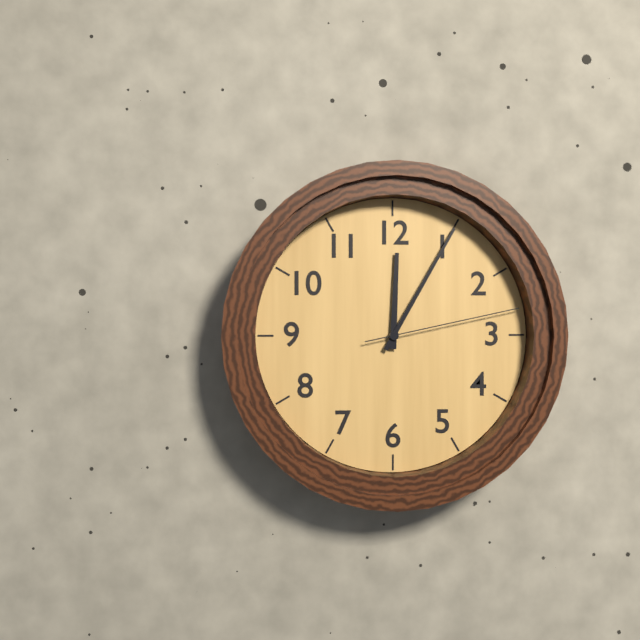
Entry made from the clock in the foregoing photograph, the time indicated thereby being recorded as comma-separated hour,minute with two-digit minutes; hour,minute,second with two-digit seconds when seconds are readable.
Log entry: 12,05,13
